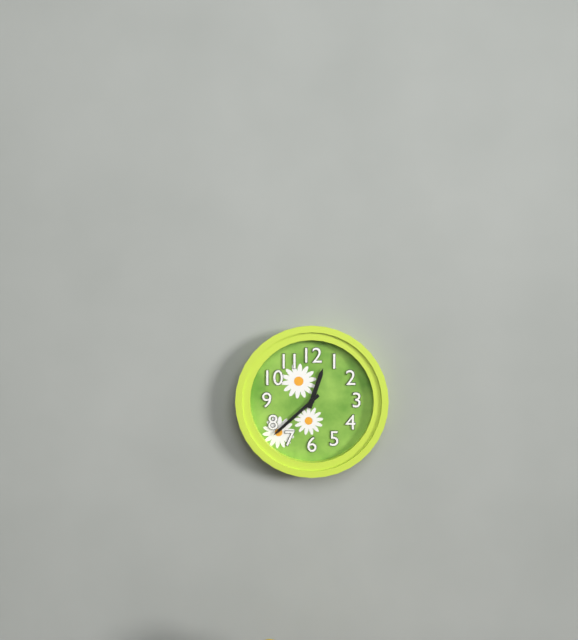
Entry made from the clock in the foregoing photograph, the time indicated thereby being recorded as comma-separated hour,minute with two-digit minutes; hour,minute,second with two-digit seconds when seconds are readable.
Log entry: 12,38
